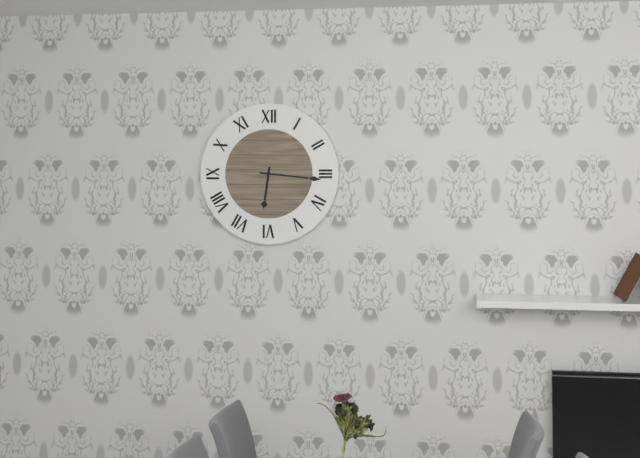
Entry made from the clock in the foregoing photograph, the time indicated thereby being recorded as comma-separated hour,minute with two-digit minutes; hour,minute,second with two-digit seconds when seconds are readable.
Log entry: 6,16
